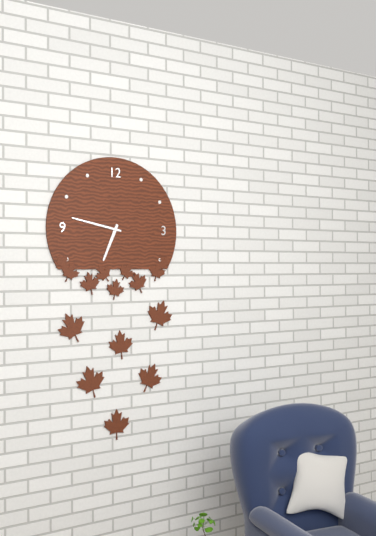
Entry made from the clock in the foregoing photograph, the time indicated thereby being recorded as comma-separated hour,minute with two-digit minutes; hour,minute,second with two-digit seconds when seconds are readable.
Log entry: 6,47
